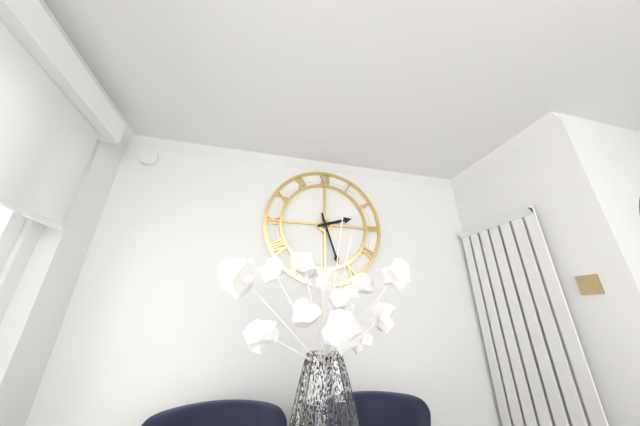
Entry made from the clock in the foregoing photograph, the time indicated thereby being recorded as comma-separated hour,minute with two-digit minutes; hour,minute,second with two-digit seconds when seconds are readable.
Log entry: 2,27
